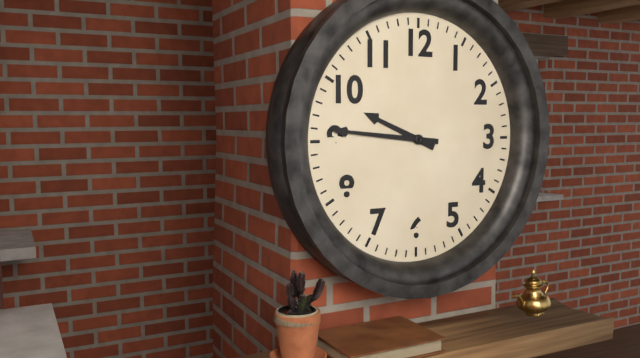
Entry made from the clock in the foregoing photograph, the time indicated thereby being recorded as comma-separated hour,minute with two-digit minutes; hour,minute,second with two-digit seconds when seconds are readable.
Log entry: 9,46
